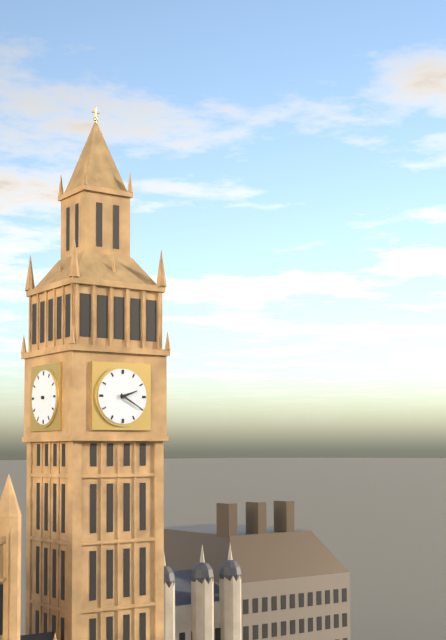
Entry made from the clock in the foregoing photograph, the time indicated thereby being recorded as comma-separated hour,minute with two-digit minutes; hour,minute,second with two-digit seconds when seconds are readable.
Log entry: 2,20
